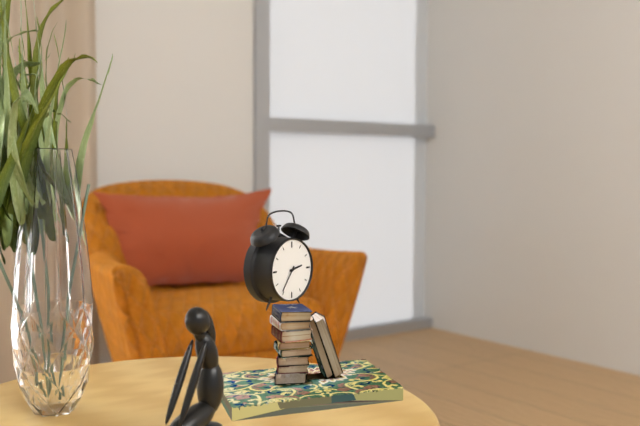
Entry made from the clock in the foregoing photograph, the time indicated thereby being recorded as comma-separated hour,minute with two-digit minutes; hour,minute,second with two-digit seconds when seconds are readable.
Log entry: 2,36
